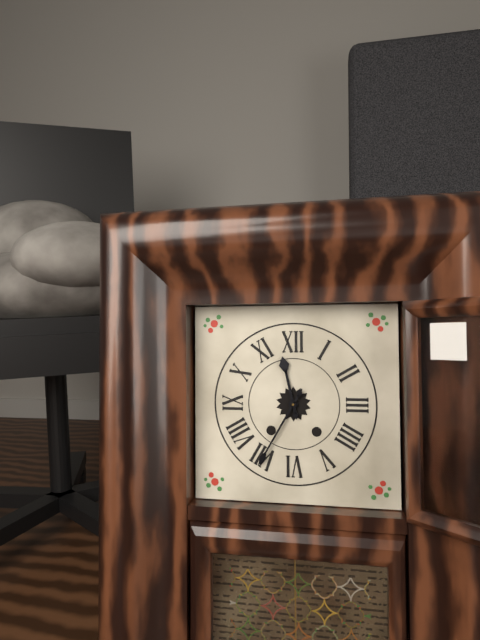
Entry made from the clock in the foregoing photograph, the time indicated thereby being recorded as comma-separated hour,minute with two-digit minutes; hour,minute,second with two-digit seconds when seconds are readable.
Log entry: 11,35
